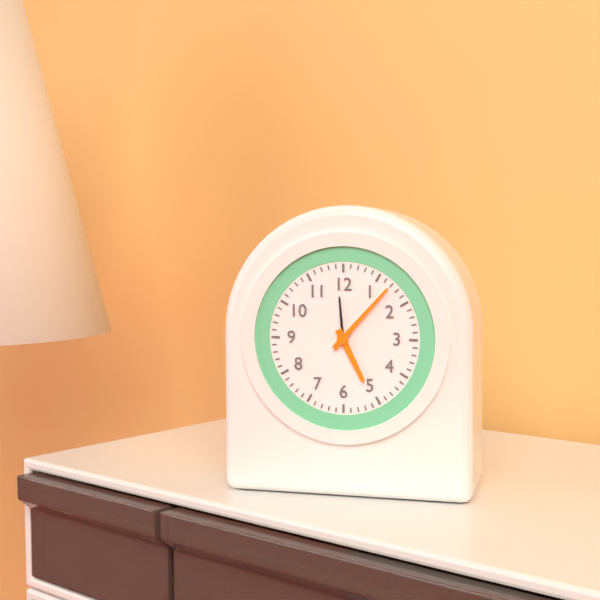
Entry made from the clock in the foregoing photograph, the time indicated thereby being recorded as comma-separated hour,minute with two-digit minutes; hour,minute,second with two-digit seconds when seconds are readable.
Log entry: 5,07
